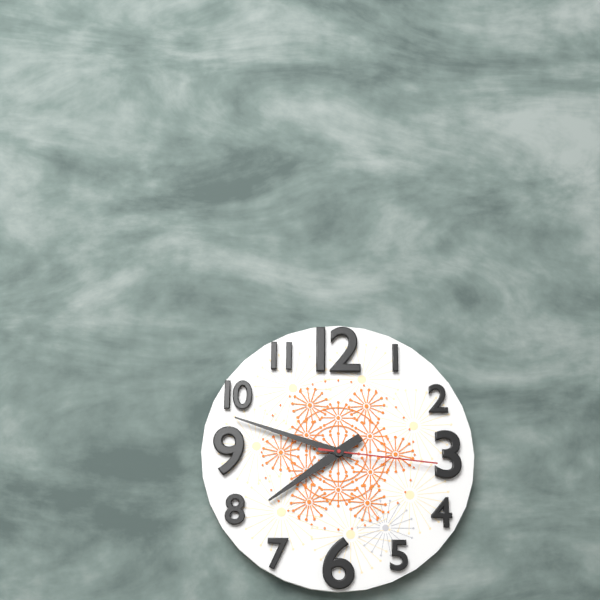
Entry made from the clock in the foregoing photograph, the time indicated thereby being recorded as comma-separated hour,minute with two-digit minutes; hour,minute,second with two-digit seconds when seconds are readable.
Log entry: 7,48,16
